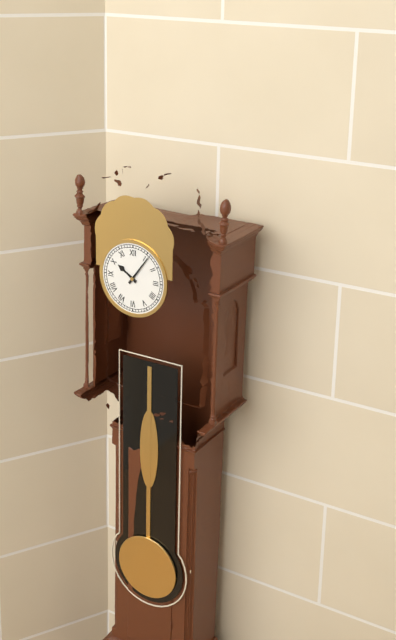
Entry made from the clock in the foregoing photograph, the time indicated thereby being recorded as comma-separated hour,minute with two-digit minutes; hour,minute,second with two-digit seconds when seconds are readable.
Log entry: 10,06
